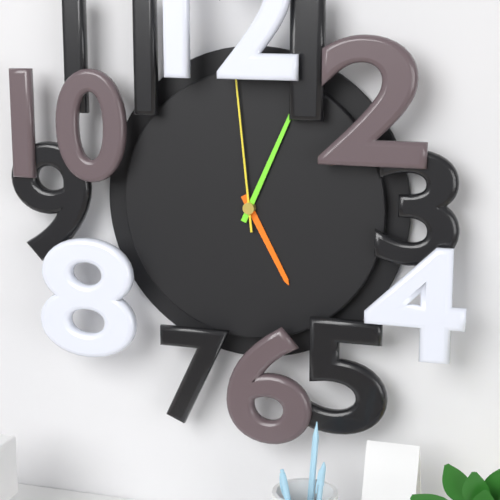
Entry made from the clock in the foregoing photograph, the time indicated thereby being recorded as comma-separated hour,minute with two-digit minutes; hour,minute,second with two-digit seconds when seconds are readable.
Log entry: 5,04,59
